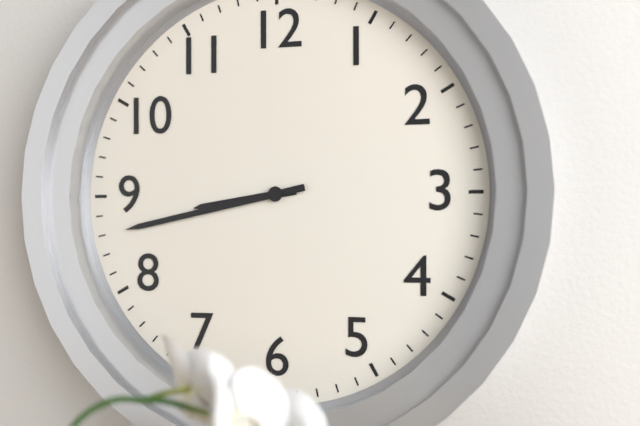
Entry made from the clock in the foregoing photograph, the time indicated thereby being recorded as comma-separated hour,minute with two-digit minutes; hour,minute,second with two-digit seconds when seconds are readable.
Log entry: 8,43
